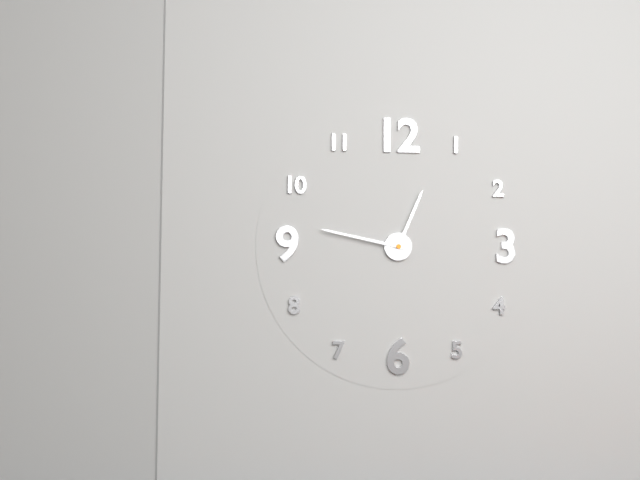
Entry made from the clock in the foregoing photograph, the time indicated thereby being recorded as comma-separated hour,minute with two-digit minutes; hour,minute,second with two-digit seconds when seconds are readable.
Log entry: 12,47
